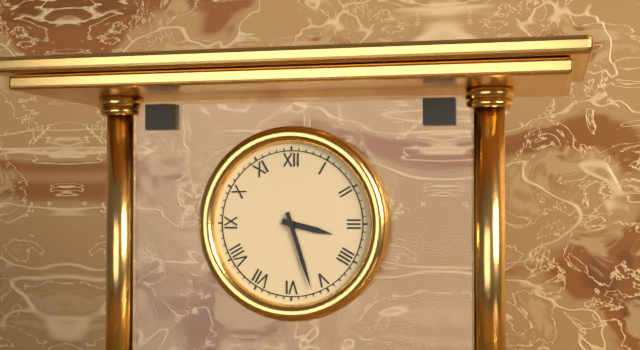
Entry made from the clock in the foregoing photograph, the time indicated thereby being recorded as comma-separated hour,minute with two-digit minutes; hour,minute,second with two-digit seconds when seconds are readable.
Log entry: 3,27
